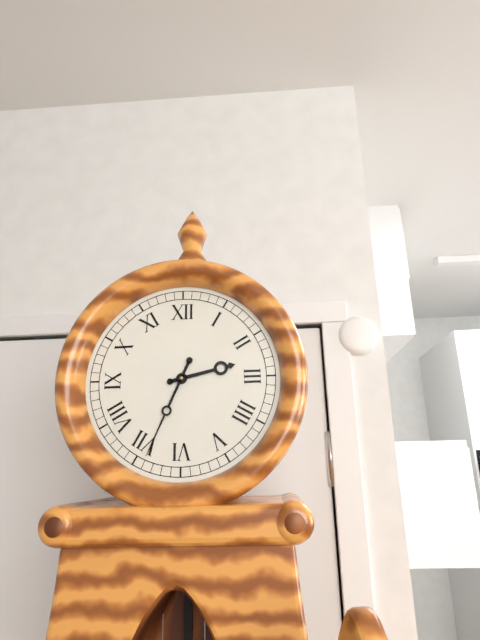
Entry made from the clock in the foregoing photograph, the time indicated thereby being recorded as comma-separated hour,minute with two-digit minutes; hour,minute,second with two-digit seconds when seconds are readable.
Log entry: 2,34
